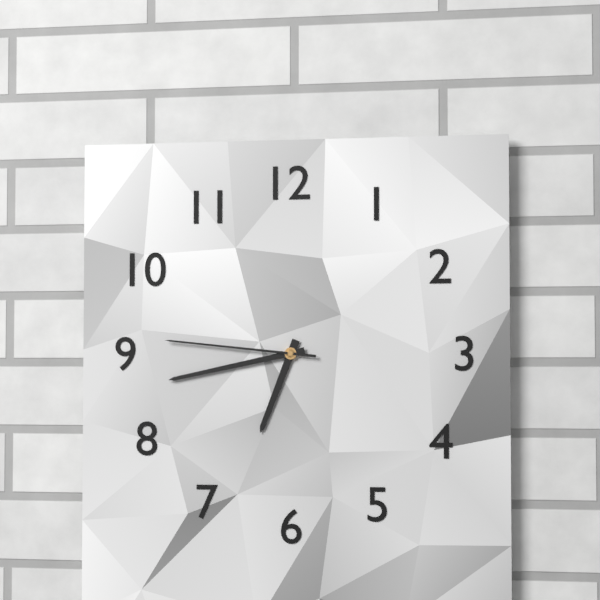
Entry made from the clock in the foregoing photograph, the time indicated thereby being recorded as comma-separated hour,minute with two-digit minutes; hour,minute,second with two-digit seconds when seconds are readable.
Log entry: 6,43,46
